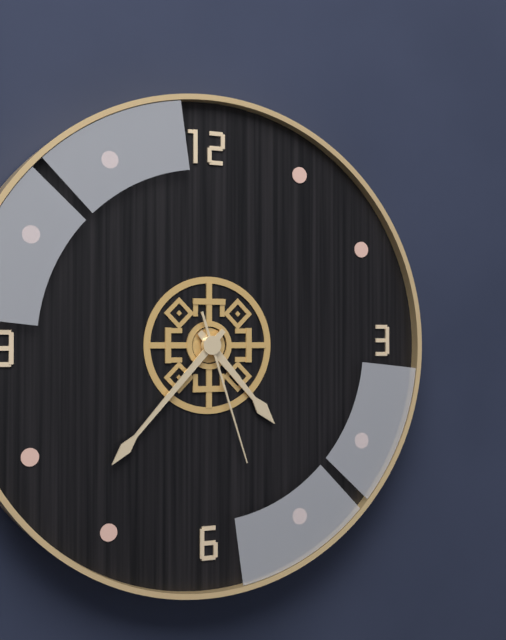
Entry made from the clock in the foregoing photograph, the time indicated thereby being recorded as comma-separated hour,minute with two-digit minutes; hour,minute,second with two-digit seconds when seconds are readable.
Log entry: 4,37,27
